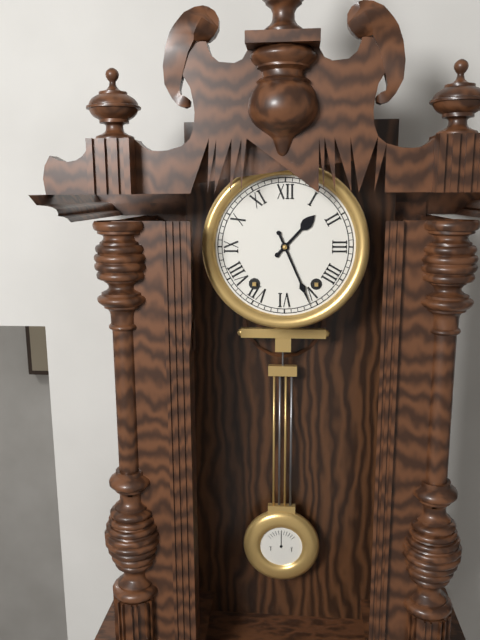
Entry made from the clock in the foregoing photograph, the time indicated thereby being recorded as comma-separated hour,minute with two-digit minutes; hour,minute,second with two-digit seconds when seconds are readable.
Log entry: 1,26
